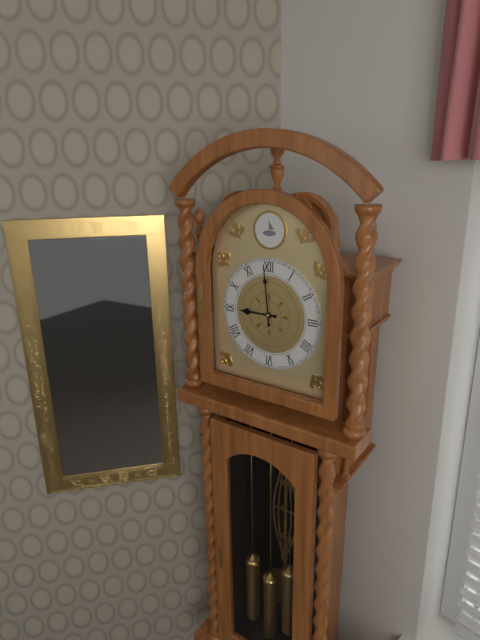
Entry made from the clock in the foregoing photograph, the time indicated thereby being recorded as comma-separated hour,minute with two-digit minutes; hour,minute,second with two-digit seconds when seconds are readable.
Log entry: 8,59
